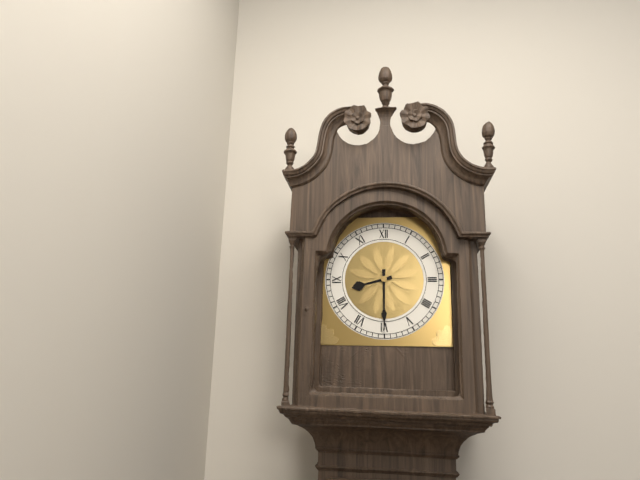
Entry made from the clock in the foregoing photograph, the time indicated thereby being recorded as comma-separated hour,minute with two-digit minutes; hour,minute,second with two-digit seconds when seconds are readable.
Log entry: 8,30
